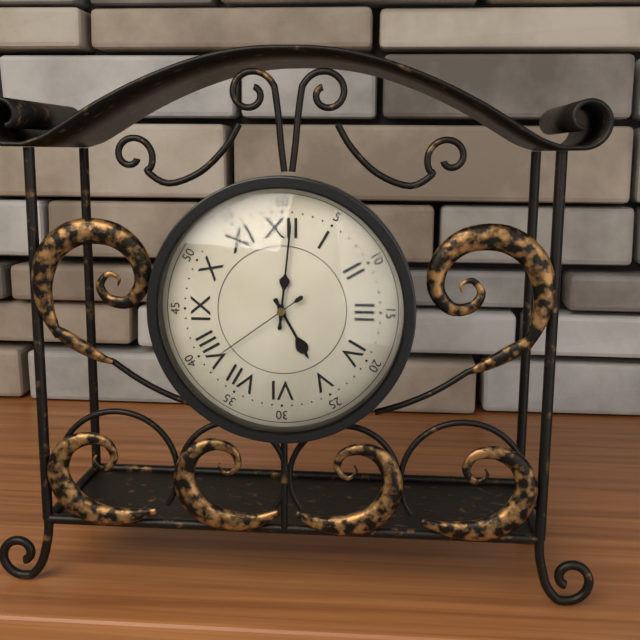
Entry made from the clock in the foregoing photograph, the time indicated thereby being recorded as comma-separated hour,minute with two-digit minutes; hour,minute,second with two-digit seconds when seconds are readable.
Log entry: 5,01,39
